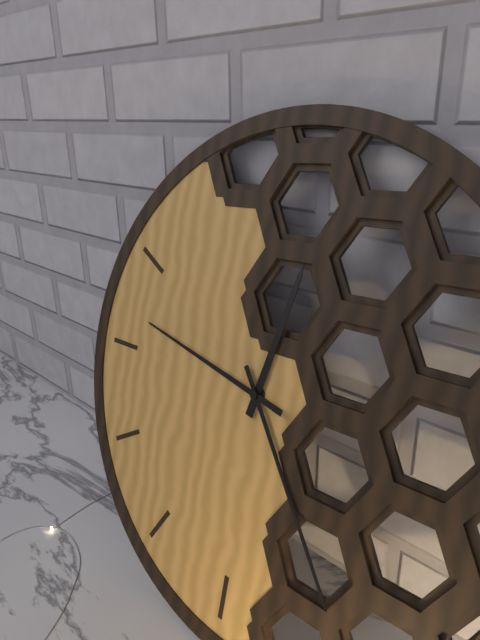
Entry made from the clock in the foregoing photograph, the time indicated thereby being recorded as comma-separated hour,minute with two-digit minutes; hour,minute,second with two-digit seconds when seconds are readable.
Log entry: 12,24,47
